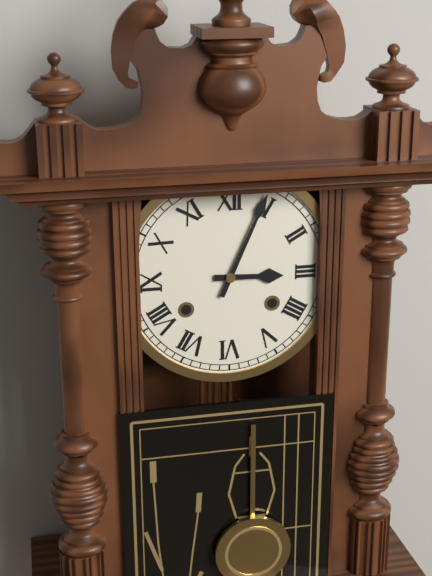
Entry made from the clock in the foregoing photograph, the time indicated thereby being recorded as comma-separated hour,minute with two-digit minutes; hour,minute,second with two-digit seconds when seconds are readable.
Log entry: 3,04
